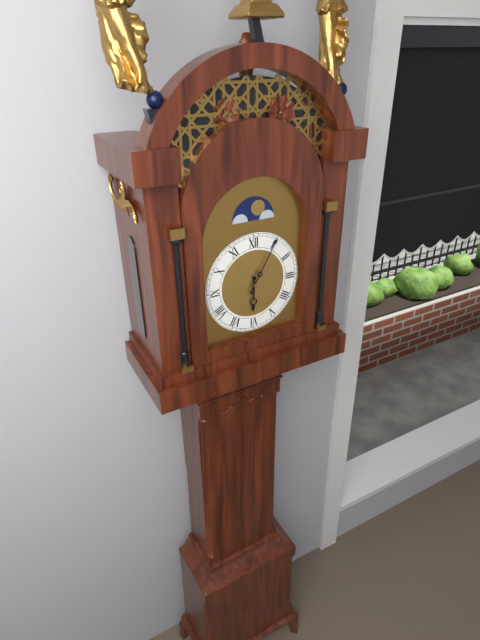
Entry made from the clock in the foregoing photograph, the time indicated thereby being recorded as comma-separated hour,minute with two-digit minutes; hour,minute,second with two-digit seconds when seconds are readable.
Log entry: 6,05
